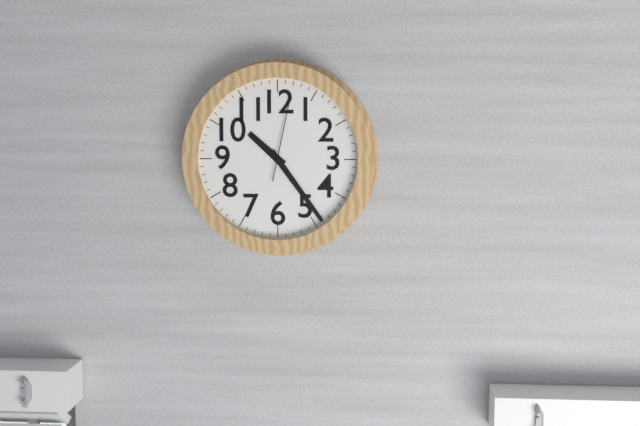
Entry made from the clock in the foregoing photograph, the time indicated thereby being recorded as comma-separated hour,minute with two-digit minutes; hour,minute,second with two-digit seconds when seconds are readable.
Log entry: 10,24,02
